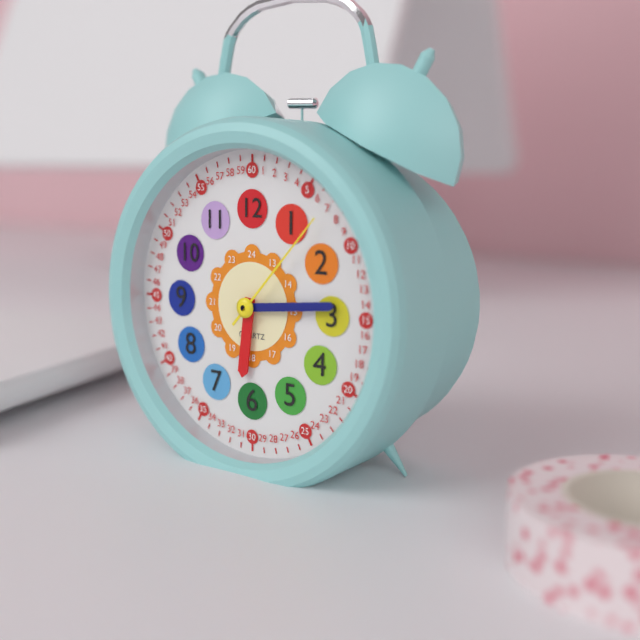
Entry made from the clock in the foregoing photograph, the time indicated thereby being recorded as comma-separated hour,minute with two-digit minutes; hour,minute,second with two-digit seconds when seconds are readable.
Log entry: 6,14,07
